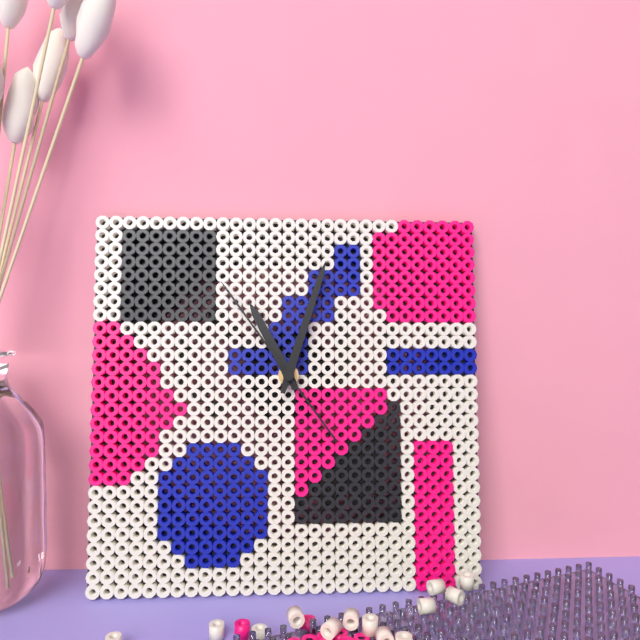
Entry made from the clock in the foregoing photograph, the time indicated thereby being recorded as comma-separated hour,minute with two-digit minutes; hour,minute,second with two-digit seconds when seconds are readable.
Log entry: 11,03,54
